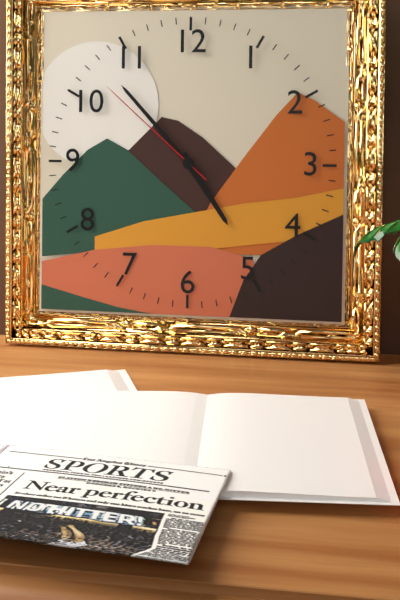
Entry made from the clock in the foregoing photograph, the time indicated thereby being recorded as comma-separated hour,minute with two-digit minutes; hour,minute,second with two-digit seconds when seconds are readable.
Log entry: 4,53,52
